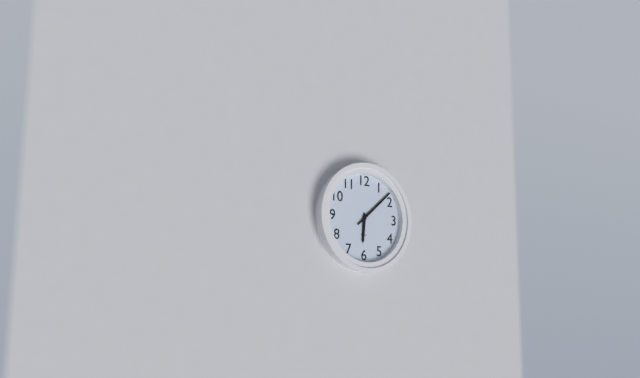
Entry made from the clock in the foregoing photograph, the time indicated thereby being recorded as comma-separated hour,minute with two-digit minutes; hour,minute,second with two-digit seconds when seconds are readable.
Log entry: 6,08
